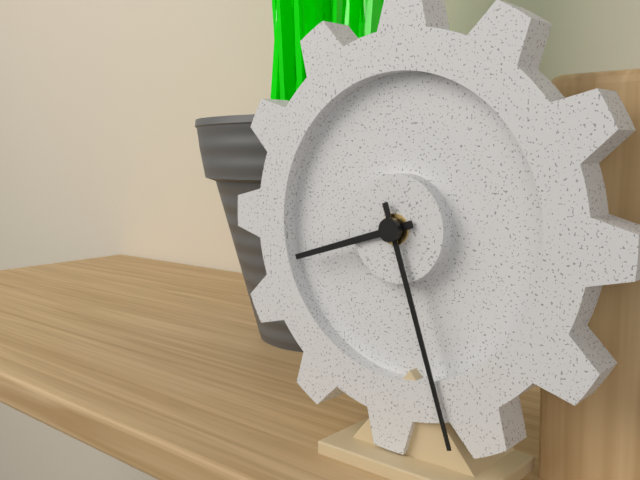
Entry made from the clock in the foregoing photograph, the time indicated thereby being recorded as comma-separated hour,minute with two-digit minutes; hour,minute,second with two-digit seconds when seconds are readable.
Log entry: 8,27
